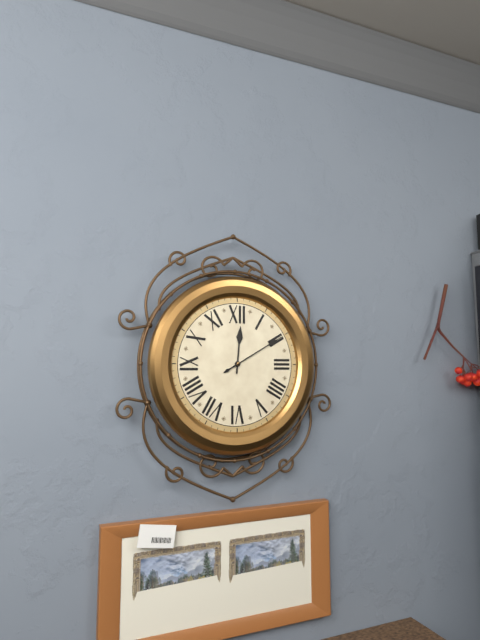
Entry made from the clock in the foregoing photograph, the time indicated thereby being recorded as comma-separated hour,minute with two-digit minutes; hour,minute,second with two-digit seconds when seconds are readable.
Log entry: 12,10
